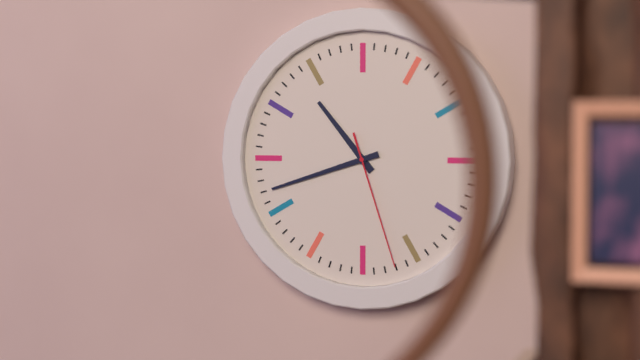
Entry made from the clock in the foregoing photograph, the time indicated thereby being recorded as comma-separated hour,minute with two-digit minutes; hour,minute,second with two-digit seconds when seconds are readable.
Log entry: 10,42,27
